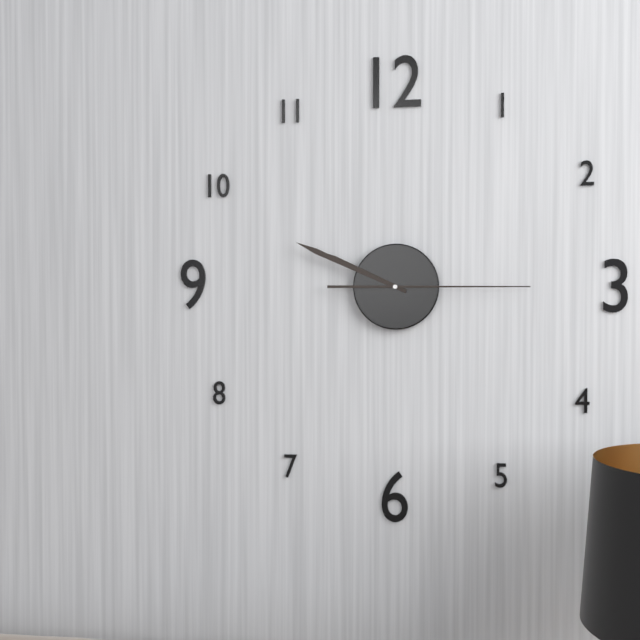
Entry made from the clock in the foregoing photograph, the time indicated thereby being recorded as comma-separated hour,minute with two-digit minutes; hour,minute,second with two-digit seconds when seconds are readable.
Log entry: 9,49,15
